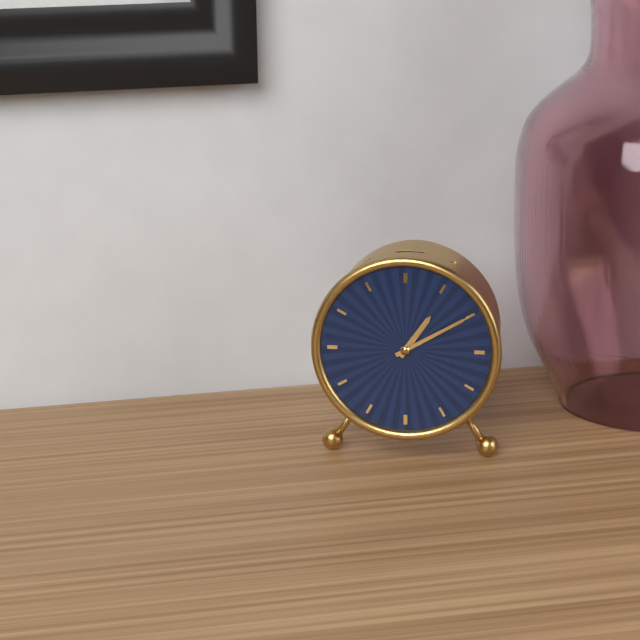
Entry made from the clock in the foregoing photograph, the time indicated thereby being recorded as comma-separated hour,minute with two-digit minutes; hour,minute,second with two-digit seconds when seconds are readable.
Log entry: 1,10
